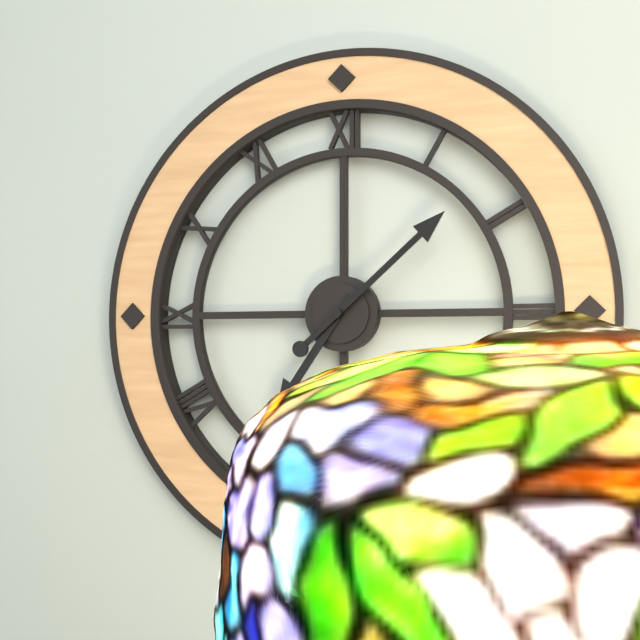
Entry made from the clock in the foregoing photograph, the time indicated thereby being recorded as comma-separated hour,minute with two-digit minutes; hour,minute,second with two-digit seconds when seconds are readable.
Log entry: 7,08
